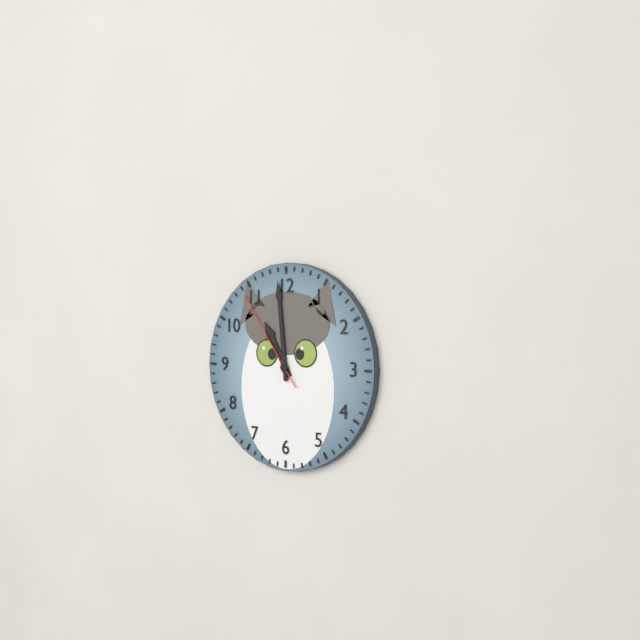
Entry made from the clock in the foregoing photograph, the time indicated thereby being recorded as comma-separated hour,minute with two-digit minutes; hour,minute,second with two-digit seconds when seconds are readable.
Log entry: 10,59,54
